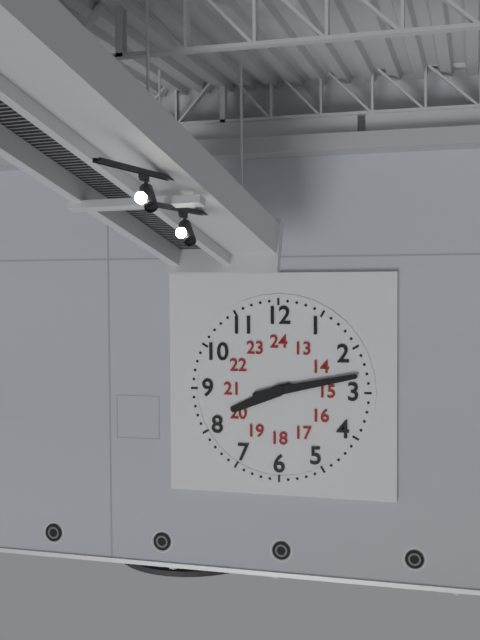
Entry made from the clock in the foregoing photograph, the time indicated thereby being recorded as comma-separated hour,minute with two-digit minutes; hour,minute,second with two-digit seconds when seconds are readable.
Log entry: 8,13
